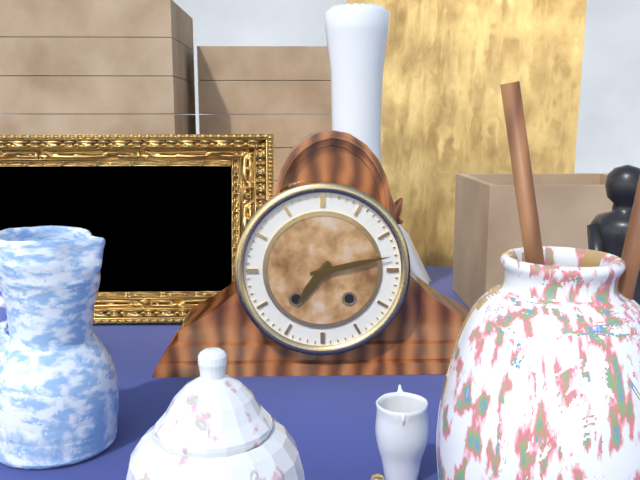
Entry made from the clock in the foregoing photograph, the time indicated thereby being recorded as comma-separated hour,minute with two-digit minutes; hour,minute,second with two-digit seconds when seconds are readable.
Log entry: 7,13
